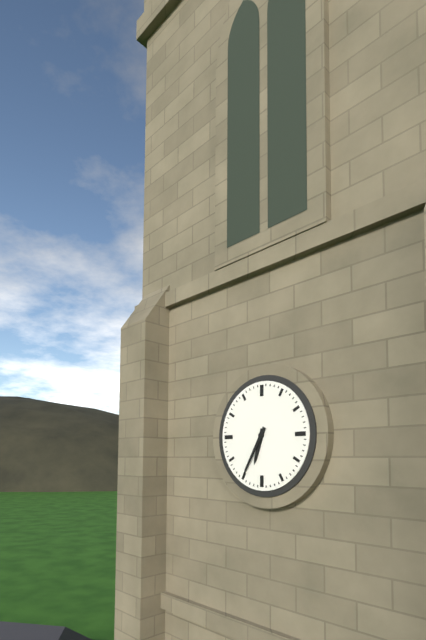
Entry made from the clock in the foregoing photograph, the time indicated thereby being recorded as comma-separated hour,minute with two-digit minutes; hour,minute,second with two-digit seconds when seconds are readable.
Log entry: 6,35
